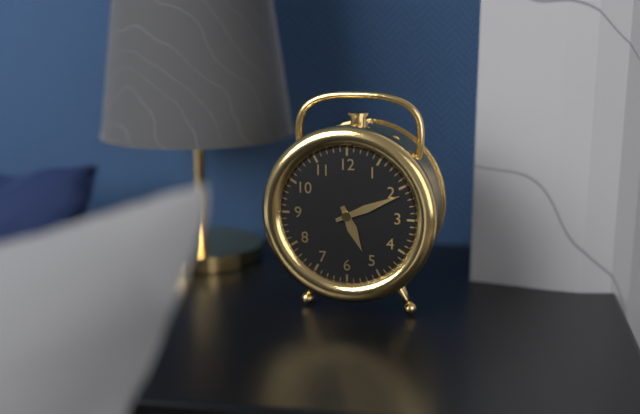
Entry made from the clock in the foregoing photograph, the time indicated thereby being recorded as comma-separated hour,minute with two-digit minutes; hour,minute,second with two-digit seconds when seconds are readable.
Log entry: 5,11
